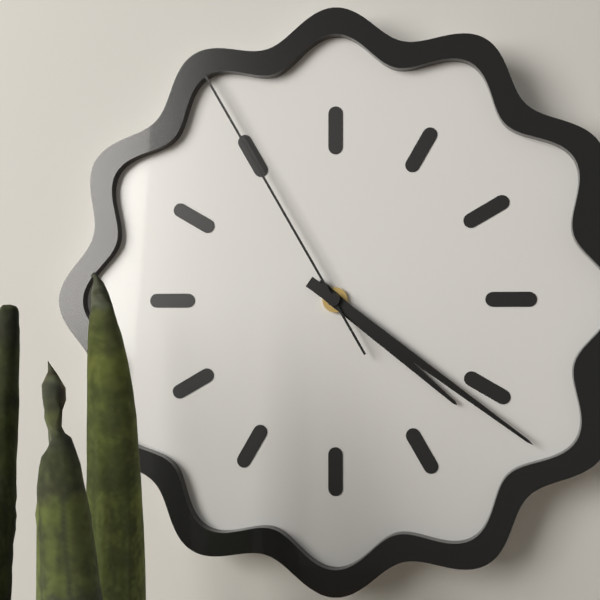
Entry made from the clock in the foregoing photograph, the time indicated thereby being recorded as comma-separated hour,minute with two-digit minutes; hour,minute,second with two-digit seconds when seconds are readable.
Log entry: 4,21,55
